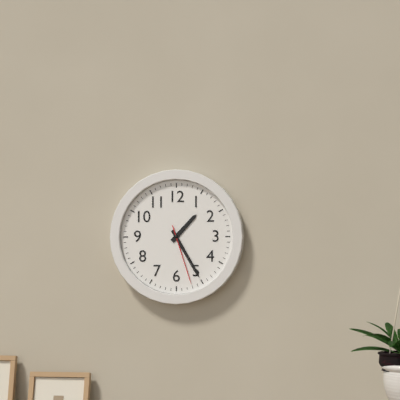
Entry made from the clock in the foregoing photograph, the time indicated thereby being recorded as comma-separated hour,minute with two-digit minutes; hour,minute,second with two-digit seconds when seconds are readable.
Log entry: 1,25,27
